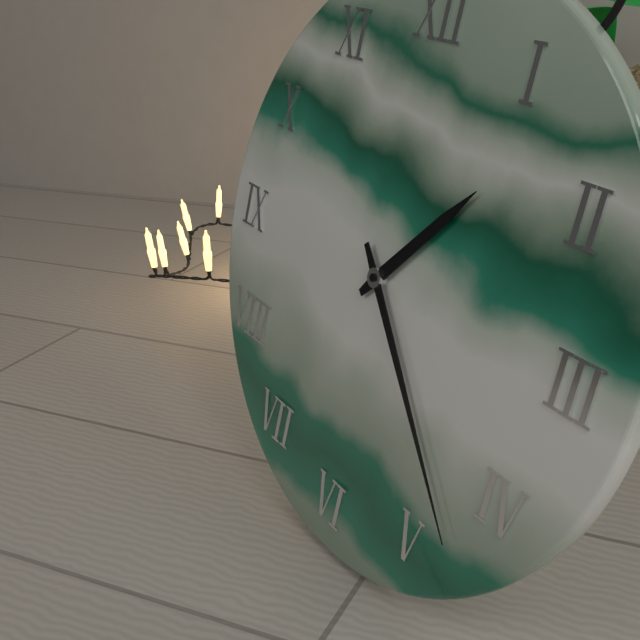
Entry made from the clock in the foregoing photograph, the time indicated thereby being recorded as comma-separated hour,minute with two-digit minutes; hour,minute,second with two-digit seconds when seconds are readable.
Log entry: 1,23
